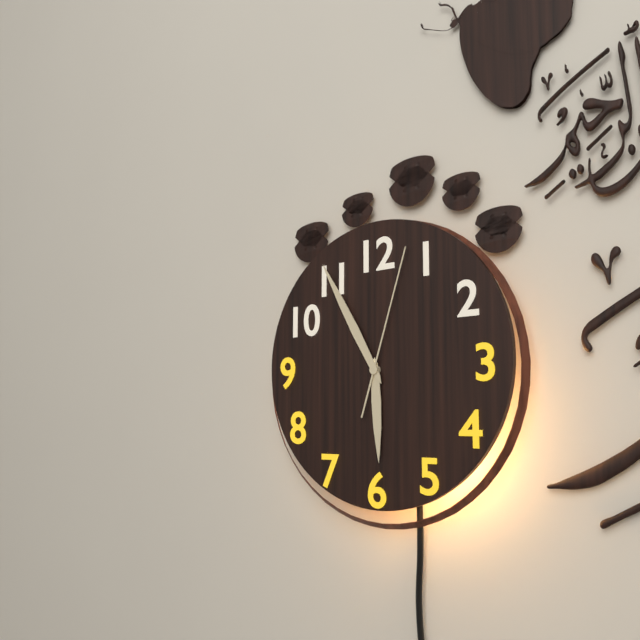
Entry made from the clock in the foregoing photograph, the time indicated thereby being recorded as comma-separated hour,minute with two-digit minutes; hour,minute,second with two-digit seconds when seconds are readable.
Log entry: 5,55,03
